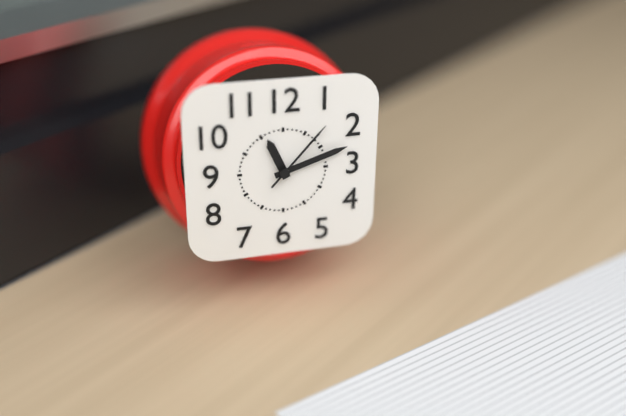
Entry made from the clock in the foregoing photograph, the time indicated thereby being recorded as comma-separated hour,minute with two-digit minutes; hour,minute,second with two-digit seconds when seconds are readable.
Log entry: 11,12,07
